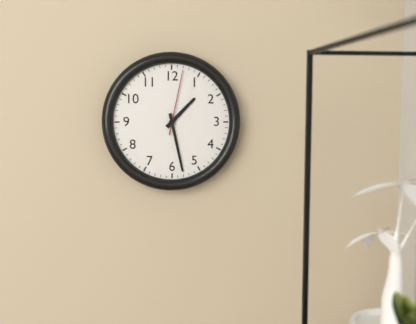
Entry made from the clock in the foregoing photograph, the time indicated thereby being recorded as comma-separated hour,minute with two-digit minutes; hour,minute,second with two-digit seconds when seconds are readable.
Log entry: 1,28,02
